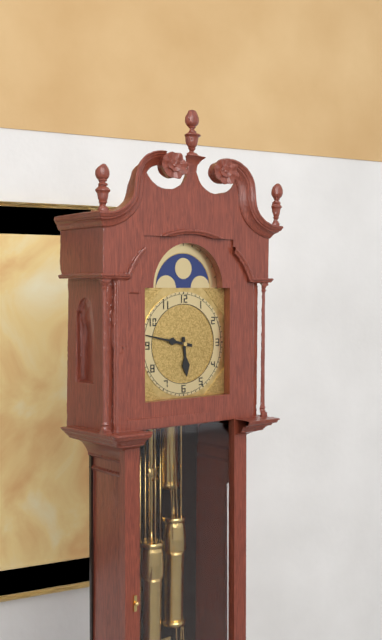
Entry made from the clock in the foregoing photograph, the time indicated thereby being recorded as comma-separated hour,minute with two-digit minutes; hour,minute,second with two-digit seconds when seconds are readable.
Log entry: 5,47
